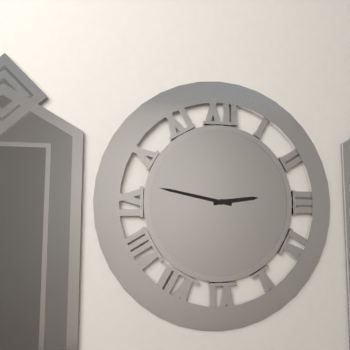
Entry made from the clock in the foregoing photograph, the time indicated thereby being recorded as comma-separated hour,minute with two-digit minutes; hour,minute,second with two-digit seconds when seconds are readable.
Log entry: 2,47
